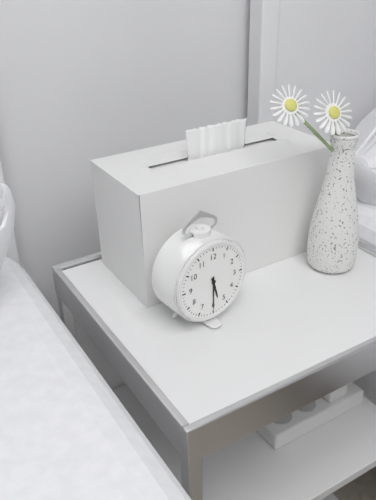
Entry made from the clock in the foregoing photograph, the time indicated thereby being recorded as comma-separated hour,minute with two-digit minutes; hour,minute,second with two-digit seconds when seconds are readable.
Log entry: 5,30
